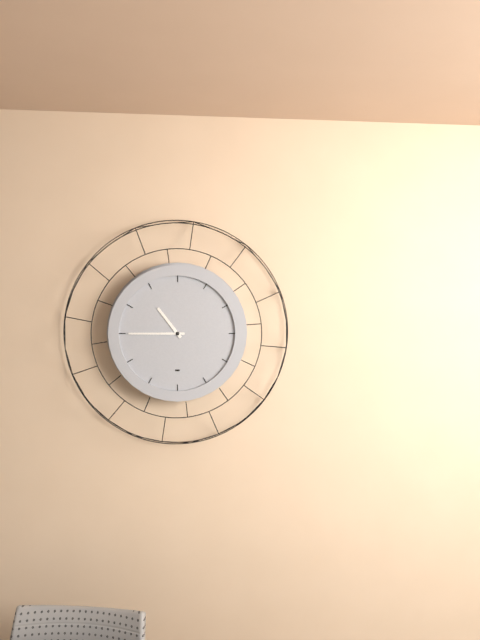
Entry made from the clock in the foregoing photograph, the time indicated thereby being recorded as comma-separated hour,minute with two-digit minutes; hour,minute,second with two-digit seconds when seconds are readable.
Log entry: 10,45
